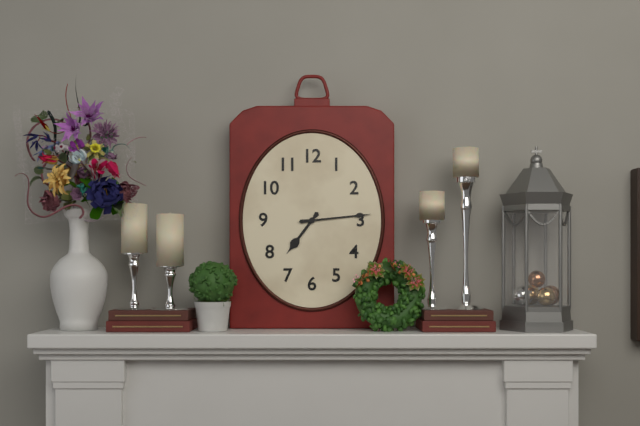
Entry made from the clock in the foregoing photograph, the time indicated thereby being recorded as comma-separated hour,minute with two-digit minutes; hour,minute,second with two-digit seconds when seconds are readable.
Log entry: 7,14
